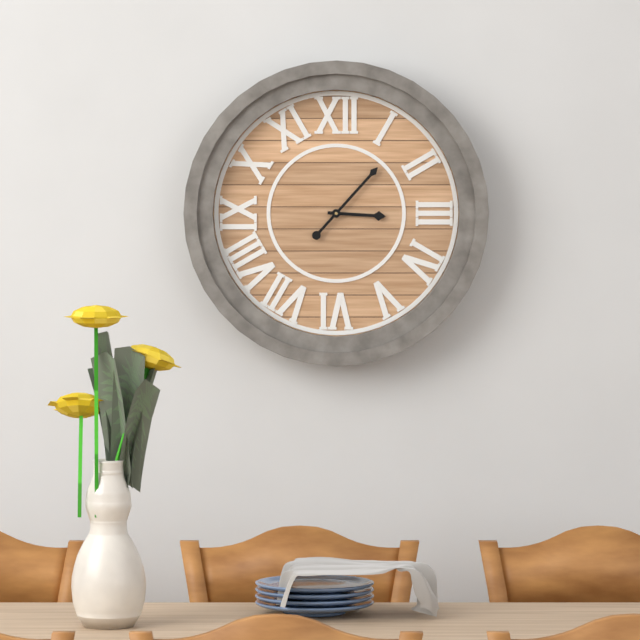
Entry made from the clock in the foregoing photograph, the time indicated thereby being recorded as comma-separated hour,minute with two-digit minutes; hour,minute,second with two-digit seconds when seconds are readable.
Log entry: 3,07
